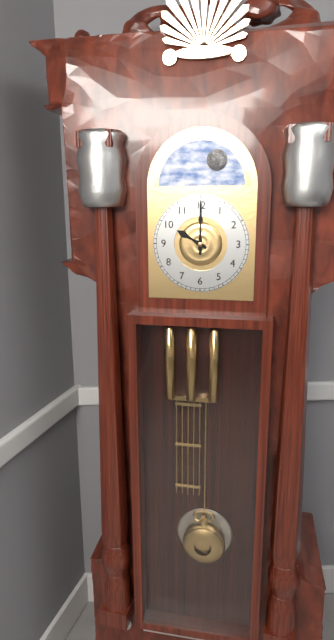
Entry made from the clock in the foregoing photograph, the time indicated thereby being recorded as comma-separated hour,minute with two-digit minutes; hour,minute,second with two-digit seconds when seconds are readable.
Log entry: 10,00
